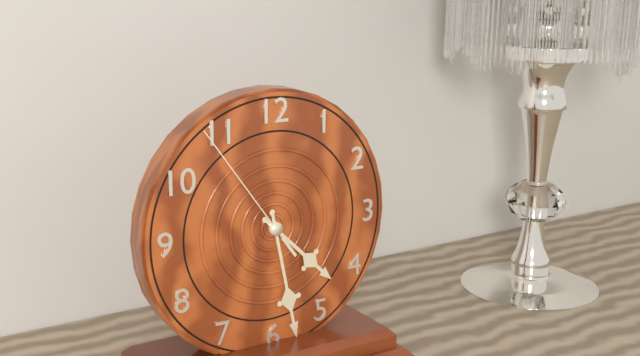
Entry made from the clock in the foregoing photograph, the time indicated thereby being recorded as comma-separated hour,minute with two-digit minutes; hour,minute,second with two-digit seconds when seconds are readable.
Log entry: 4,28,54
